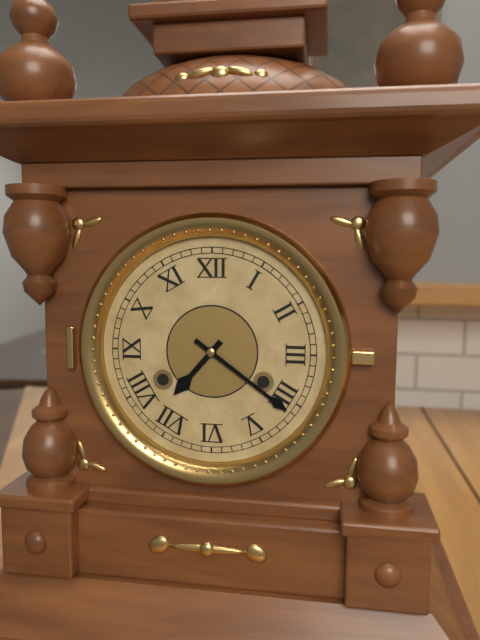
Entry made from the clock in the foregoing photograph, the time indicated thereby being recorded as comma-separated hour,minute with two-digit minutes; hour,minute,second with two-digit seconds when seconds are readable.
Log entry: 7,21
